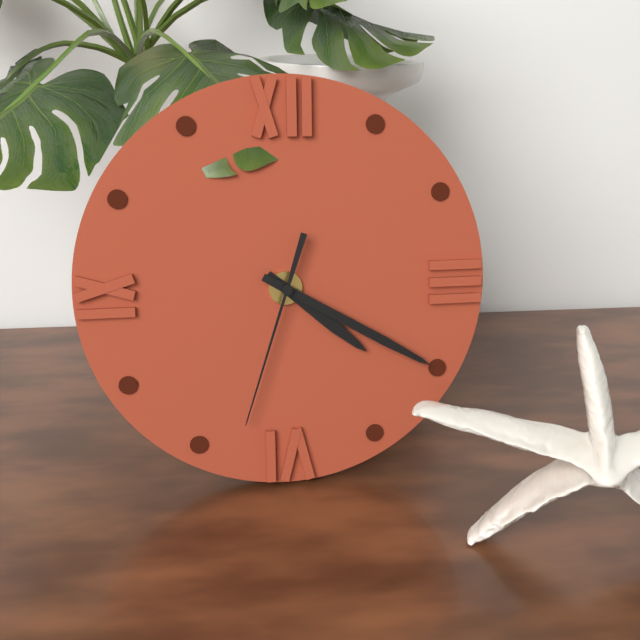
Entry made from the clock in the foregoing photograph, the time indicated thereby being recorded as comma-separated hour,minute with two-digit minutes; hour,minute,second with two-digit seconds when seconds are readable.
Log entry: 4,20,33
